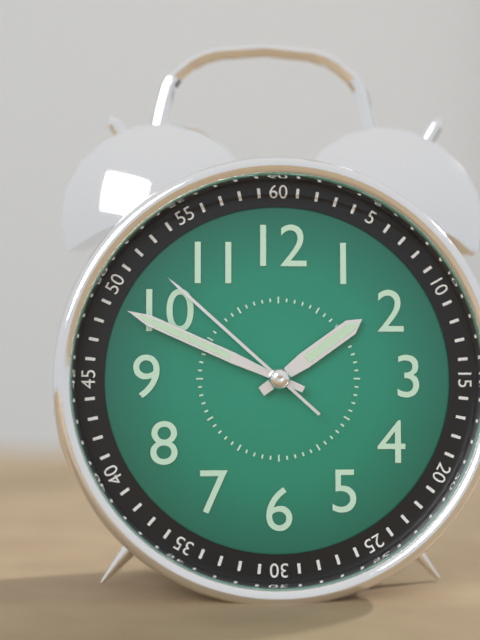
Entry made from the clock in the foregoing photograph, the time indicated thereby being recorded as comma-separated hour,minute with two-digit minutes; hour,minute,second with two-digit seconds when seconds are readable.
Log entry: 1,49,52
